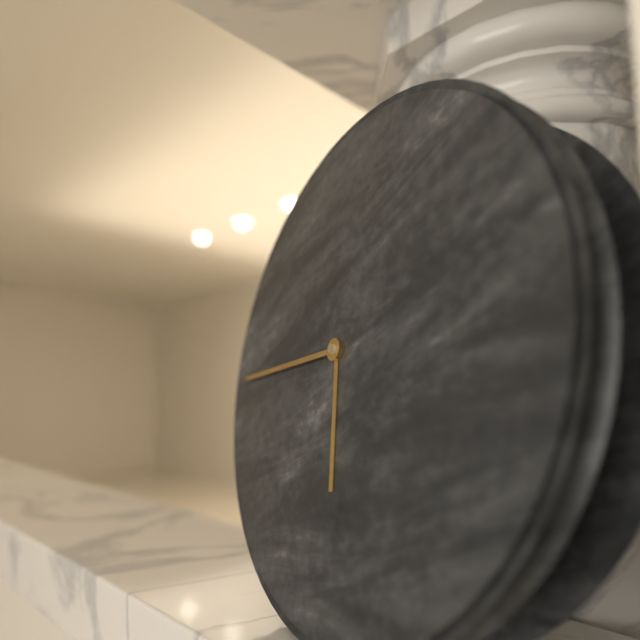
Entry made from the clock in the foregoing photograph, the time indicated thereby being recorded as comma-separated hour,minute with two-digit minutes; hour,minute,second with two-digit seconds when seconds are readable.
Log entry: 5,44
